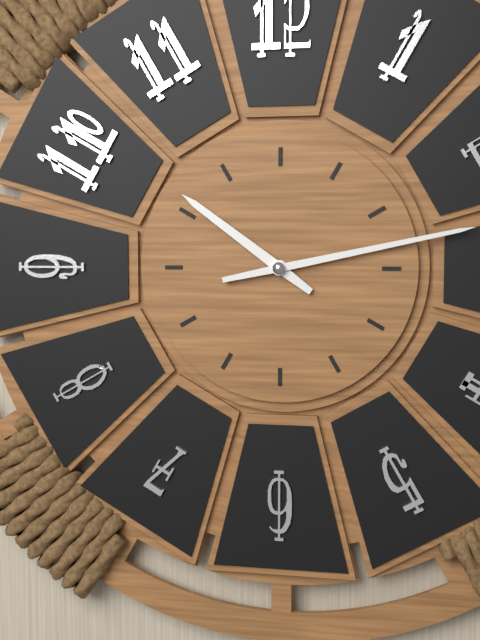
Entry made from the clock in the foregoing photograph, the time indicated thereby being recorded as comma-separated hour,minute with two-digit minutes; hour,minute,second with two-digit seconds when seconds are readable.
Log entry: 10,13
